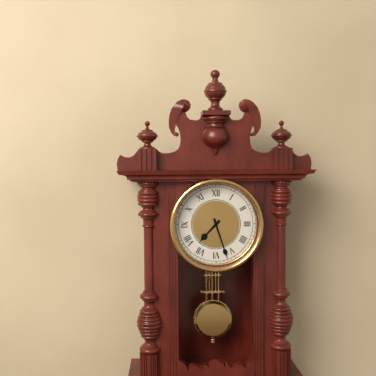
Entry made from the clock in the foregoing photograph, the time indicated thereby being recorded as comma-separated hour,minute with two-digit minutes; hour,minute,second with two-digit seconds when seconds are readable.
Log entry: 7,27
